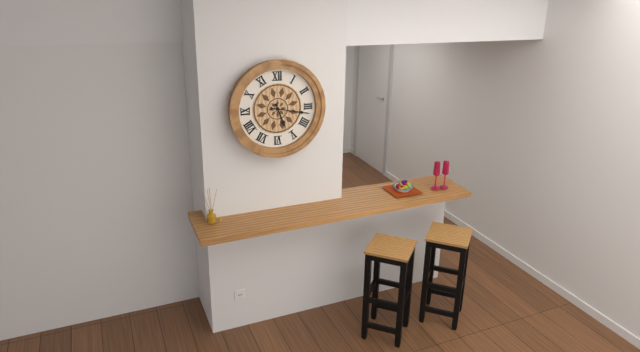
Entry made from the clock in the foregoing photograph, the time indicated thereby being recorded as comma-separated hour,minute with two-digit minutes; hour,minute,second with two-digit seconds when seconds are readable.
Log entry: 5,17
